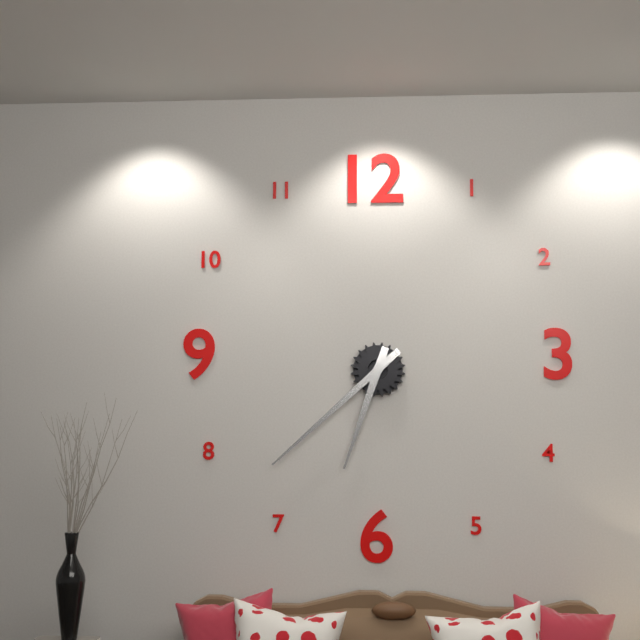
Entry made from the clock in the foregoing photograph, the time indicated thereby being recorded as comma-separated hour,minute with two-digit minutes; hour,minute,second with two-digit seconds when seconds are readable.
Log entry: 6,38
